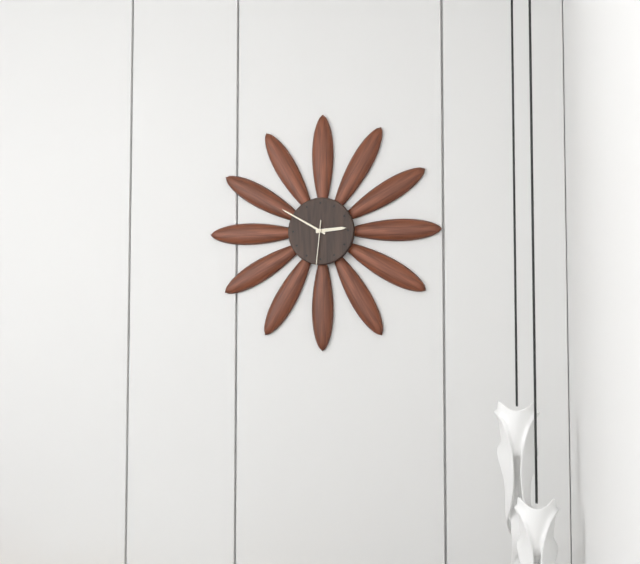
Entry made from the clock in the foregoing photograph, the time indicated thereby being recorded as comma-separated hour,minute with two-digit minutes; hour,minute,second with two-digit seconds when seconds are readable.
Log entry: 2,50
